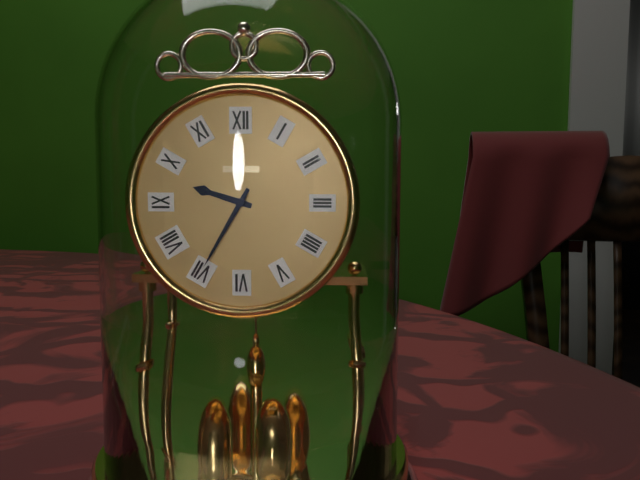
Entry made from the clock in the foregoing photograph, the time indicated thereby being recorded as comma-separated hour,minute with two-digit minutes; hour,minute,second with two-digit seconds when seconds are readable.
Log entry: 9,35
